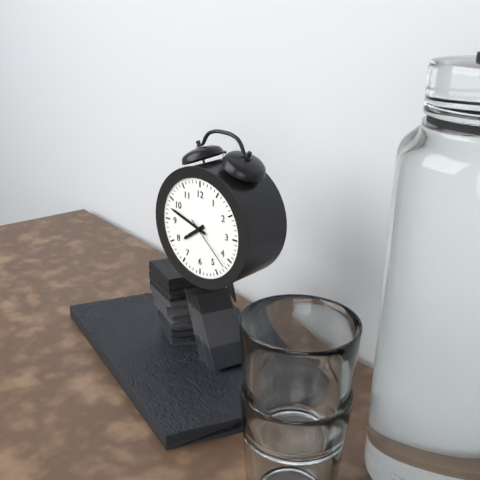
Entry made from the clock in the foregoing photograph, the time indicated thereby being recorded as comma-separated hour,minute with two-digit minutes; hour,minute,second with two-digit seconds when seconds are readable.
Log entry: 7,48,22
